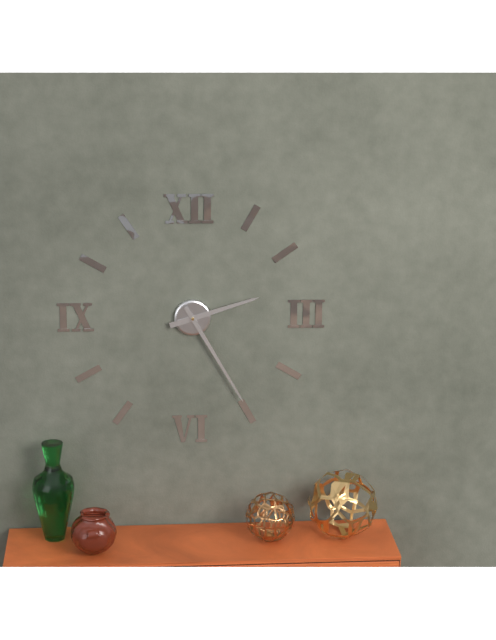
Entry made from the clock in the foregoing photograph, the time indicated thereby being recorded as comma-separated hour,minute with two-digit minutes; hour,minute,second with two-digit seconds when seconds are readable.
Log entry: 2,25
